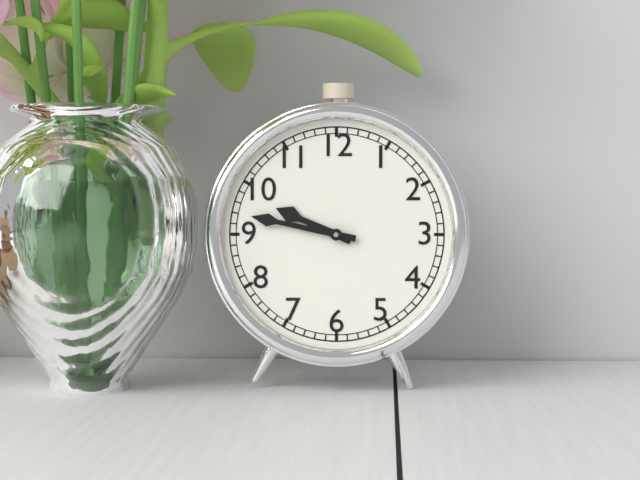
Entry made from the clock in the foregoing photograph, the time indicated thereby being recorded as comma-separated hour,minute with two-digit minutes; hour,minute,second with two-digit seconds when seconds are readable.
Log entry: 9,47
